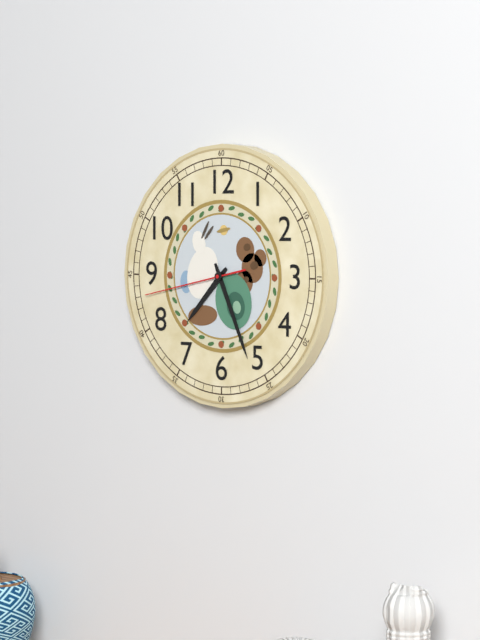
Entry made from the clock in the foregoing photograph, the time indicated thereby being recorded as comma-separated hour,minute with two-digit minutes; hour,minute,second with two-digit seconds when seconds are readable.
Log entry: 7,26,43
